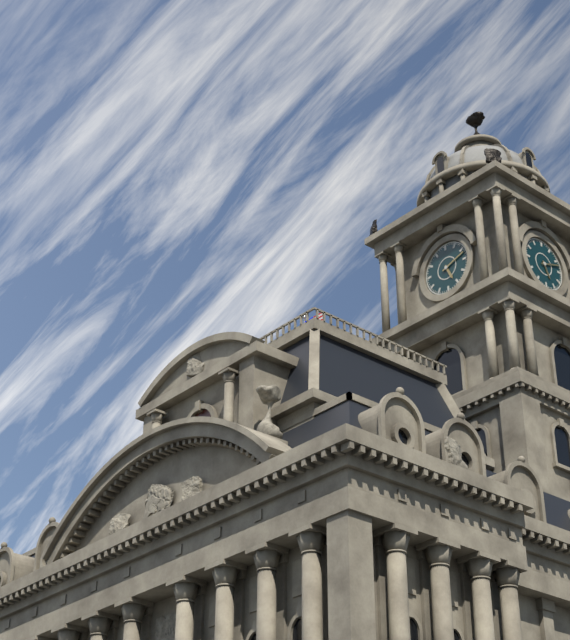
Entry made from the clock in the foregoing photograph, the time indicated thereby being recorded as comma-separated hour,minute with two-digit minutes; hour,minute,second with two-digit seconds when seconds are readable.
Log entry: 5,12
